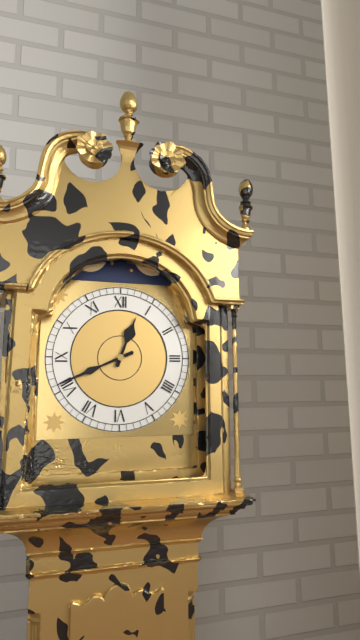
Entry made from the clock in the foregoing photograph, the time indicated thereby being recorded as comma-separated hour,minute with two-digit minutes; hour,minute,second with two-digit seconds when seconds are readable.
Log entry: 12,41
